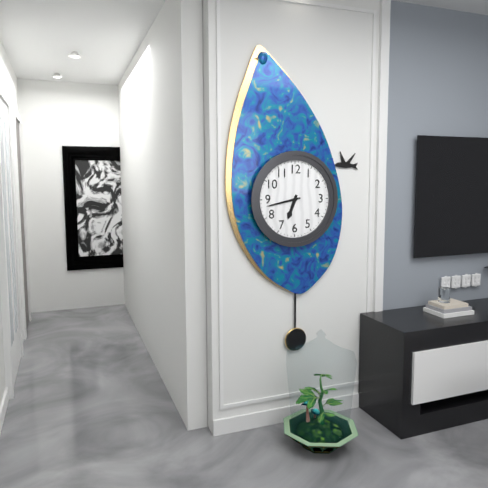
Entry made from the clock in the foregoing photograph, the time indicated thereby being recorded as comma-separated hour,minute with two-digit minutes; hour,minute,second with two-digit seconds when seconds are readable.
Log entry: 6,43
